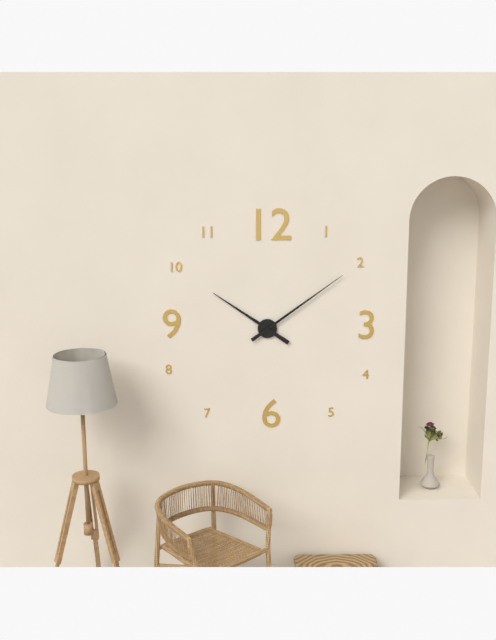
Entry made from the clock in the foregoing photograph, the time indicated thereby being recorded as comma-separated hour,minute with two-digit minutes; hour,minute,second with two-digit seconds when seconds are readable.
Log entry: 10,09
